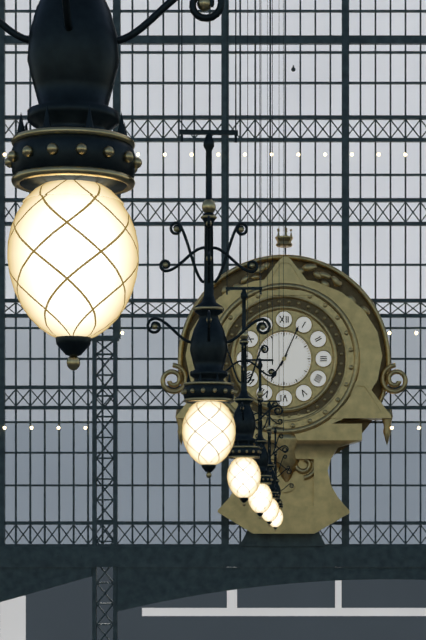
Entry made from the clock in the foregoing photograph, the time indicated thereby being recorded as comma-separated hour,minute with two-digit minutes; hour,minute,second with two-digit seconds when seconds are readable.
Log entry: 7,04
